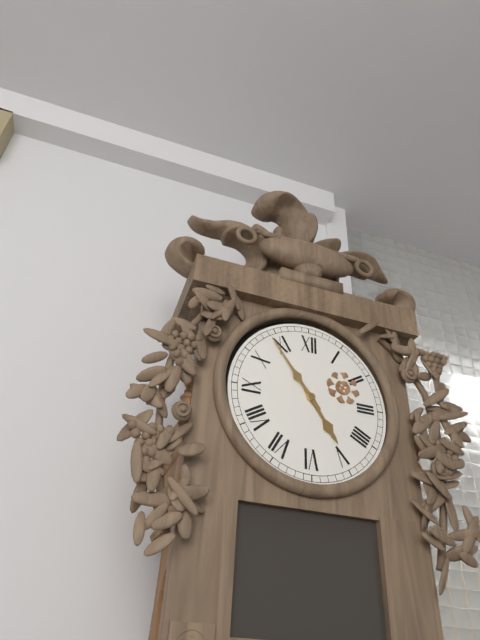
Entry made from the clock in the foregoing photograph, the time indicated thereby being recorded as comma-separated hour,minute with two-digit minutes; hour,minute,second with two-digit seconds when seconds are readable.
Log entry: 4,54
